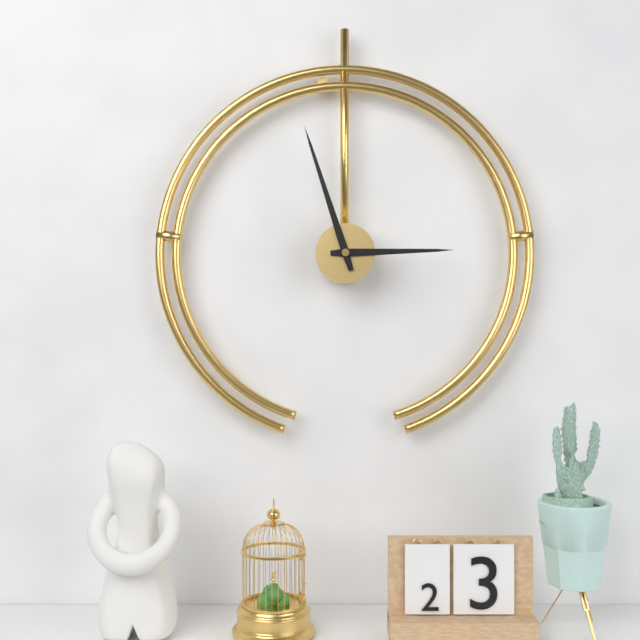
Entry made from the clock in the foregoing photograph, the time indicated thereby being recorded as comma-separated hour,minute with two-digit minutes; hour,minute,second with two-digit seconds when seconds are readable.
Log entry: 2,57
